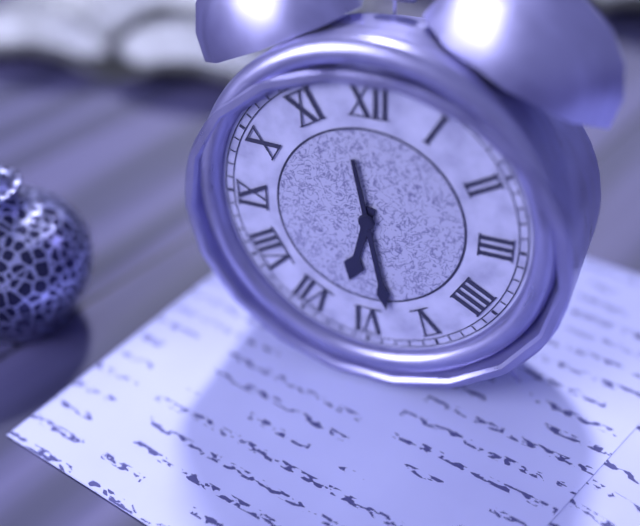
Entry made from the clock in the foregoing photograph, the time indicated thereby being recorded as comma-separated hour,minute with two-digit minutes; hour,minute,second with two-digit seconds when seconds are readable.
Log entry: 6,28
